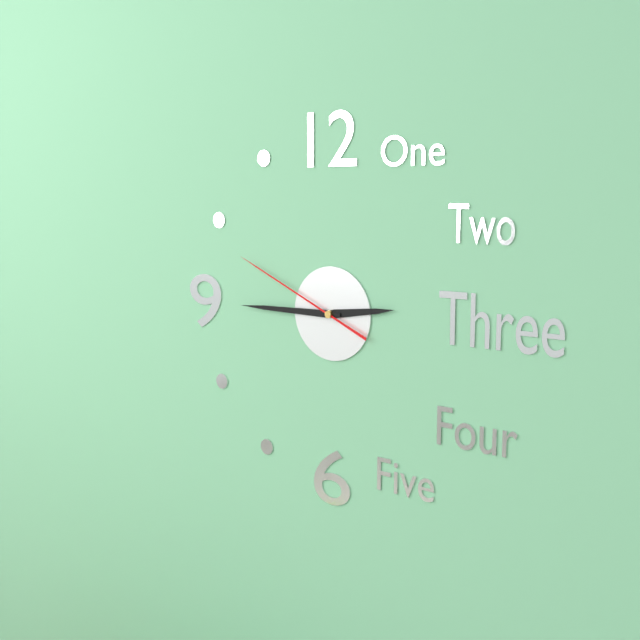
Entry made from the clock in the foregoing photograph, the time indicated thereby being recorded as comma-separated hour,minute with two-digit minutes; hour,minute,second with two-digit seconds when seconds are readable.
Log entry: 2,45,49
